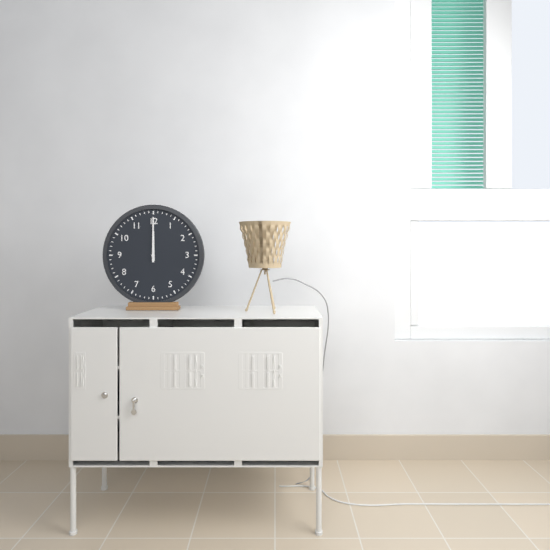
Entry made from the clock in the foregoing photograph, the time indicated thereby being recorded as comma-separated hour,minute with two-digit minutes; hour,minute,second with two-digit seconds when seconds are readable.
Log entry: 12,00
